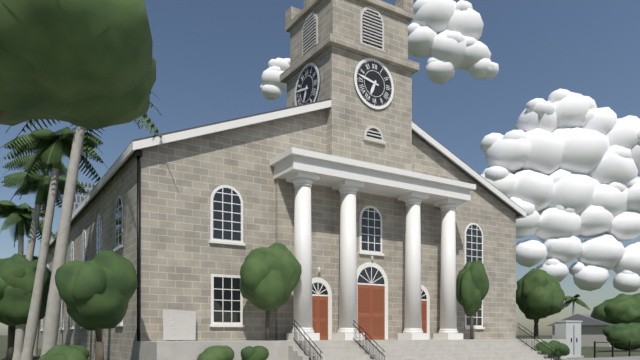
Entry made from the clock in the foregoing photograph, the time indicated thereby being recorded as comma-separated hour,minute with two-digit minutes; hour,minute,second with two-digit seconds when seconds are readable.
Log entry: 6,47
